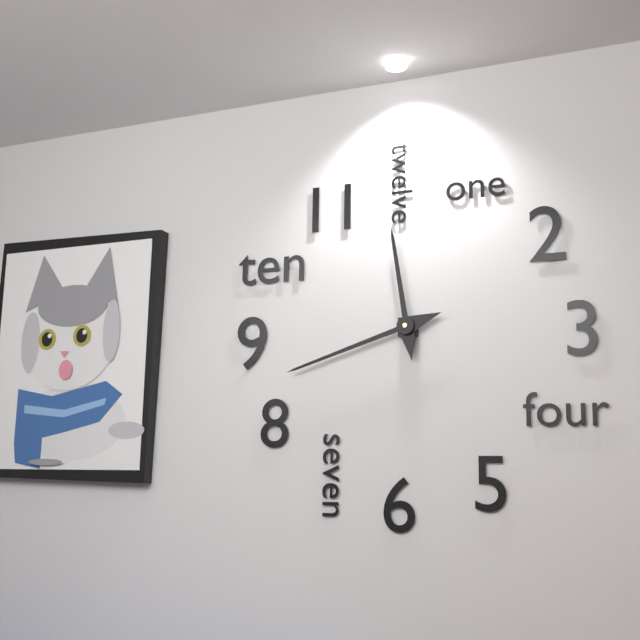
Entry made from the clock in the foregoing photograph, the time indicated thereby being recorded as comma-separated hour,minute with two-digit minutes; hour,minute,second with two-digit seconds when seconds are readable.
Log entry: 11,42
